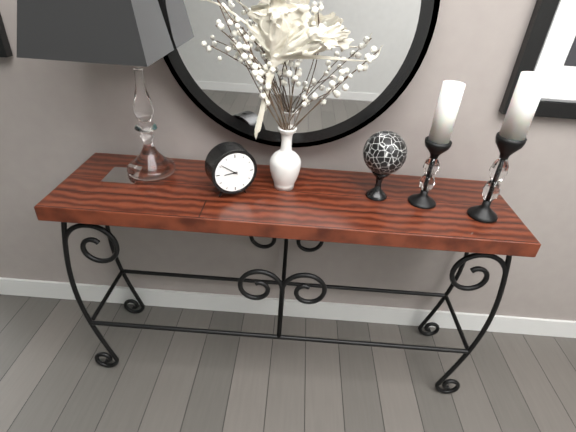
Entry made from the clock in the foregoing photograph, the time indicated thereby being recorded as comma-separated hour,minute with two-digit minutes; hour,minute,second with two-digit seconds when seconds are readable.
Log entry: 8,51
